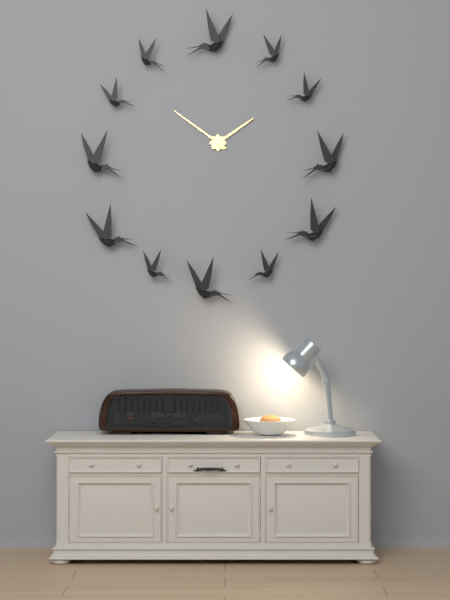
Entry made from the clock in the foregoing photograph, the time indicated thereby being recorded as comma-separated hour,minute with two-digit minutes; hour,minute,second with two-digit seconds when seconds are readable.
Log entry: 1,51
